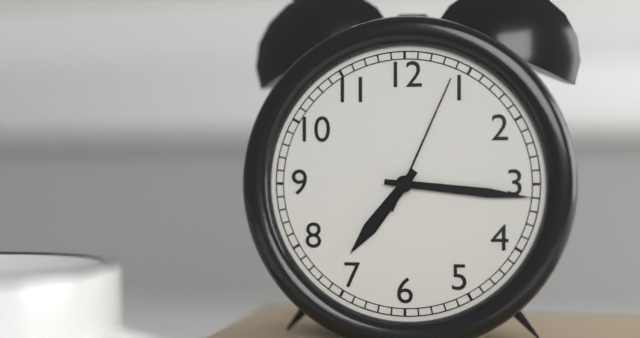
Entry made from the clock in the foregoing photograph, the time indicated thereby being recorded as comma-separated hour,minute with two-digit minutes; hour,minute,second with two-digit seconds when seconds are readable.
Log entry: 7,16,04
